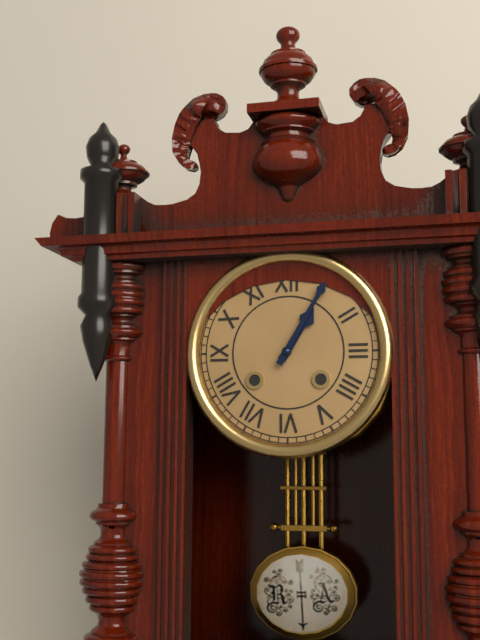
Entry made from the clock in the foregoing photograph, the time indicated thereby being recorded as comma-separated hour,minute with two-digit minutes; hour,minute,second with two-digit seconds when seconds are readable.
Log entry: 1,05
